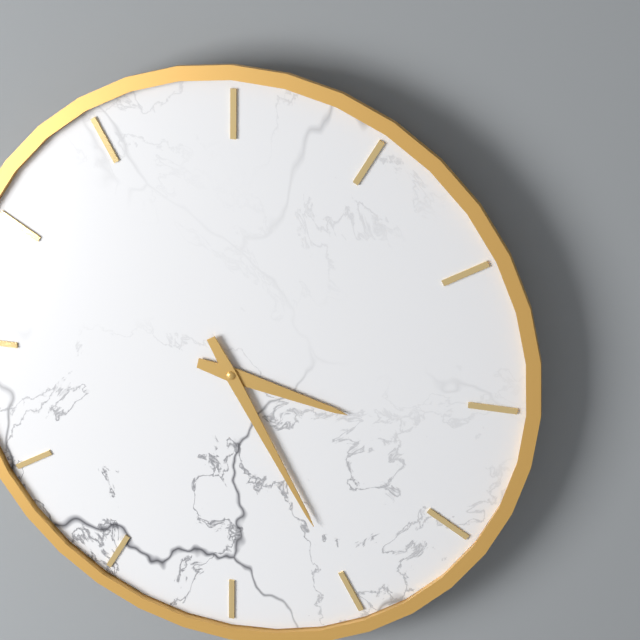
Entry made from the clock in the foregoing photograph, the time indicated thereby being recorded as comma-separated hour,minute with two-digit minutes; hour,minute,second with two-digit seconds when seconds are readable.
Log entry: 3,25
